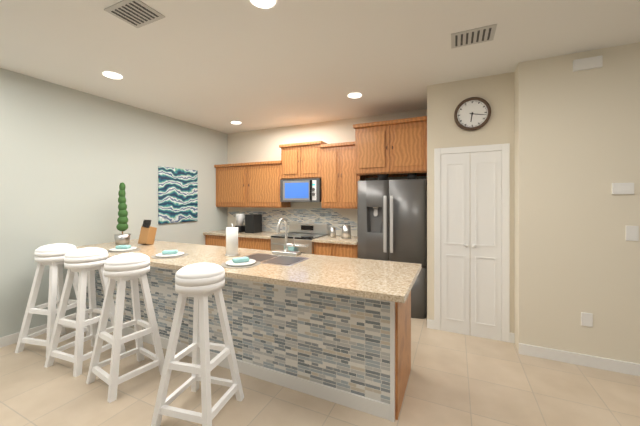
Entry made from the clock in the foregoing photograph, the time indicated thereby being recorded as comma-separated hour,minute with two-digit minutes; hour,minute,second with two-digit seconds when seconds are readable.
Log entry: 6,17
